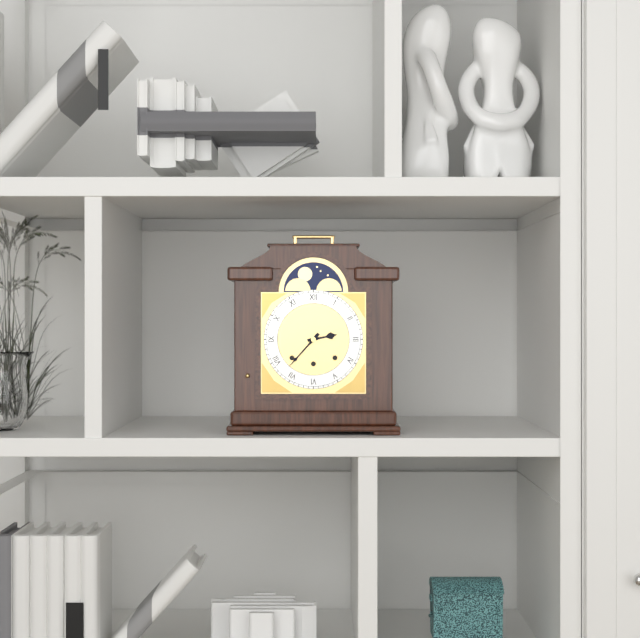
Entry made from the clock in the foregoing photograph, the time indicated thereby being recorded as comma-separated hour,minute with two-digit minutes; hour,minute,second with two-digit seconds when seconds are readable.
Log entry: 2,37
